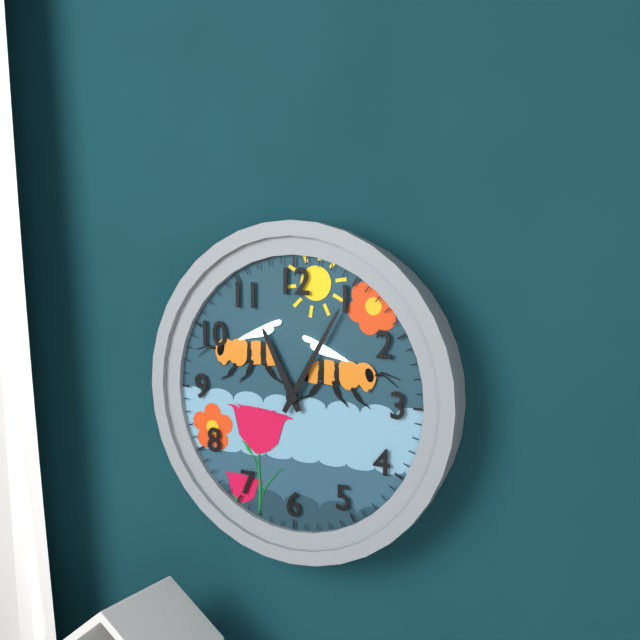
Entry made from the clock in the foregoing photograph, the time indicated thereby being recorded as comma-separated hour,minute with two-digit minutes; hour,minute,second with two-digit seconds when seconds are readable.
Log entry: 11,05
